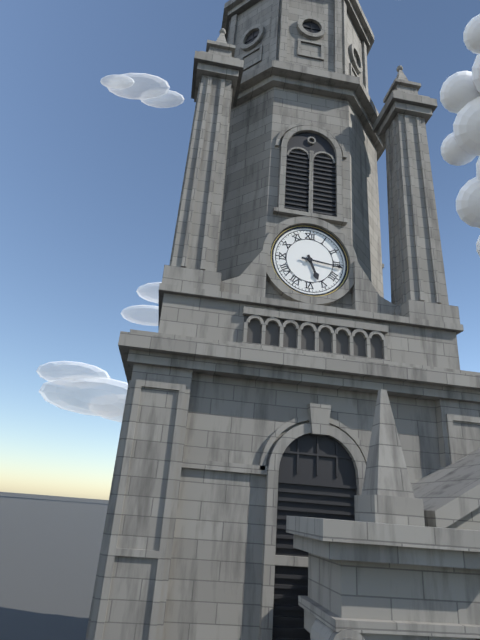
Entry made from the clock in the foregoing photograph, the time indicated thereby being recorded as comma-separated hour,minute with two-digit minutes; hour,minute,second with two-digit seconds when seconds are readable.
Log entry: 5,16
